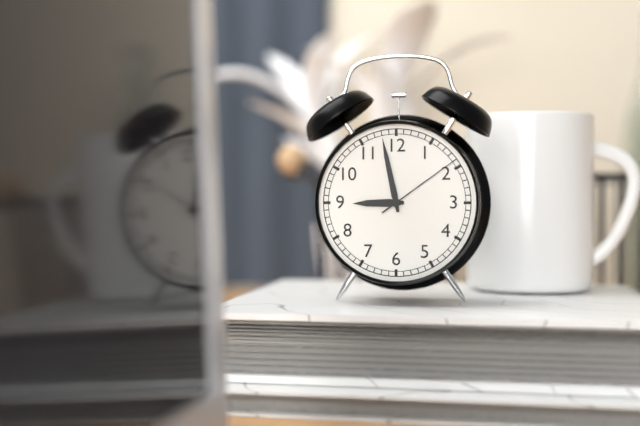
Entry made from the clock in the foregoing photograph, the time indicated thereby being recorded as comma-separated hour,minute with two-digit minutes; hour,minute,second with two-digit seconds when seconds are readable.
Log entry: 8,58,09
